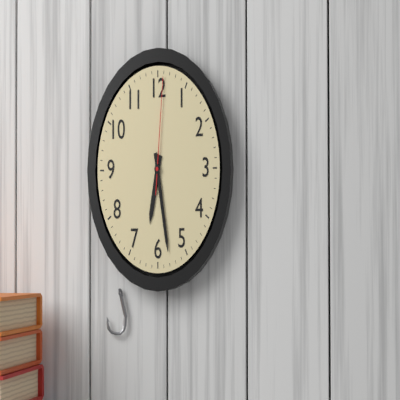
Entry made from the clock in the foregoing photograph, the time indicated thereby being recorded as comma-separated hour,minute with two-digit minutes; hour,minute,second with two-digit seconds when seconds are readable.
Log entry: 6,28,01
